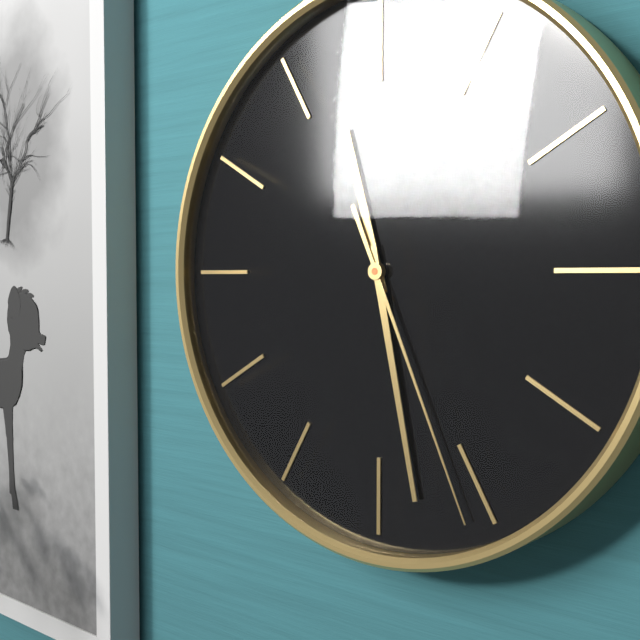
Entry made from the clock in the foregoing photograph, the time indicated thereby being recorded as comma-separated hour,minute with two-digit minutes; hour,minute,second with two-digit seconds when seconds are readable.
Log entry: 11,28,26
